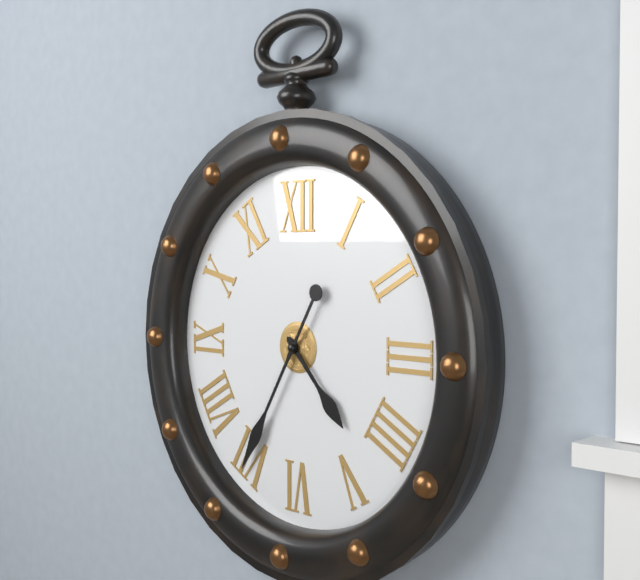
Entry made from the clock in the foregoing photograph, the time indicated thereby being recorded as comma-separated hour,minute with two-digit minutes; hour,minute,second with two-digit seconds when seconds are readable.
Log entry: 4,35
